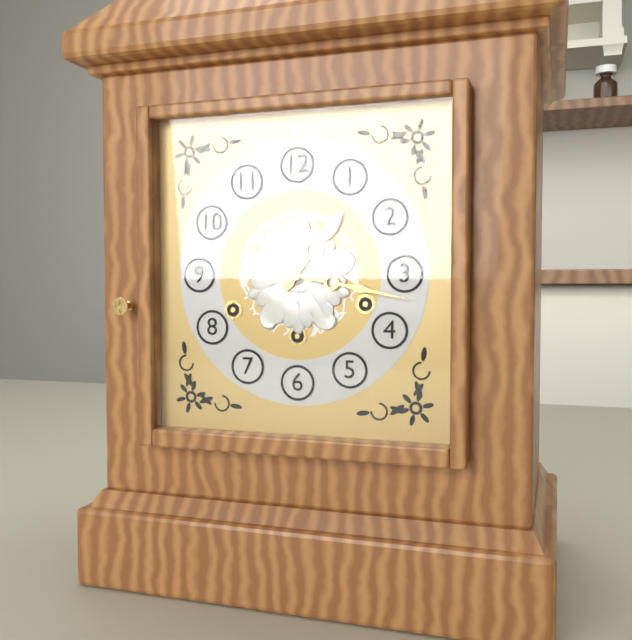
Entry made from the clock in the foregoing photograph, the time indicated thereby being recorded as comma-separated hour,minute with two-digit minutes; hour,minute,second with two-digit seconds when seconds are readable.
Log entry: 1,17
